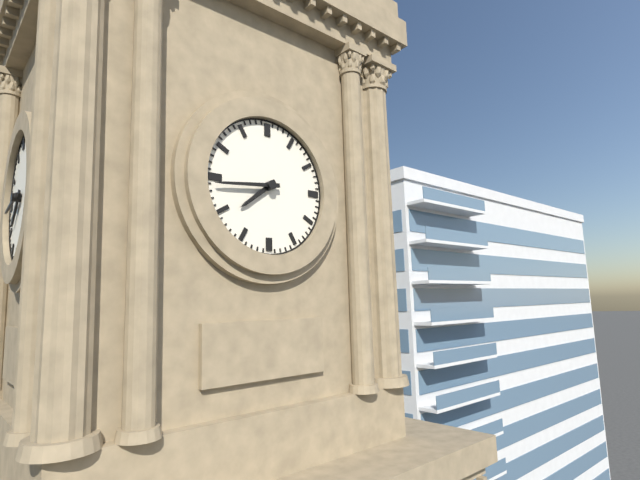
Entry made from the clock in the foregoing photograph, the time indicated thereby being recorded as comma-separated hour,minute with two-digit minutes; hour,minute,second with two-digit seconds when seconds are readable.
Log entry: 7,44
